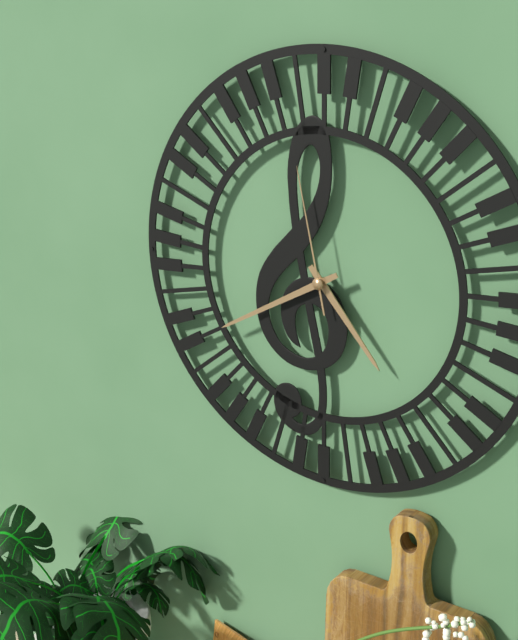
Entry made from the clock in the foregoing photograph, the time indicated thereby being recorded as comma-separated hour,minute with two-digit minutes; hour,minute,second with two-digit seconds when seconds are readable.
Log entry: 4,40,58
